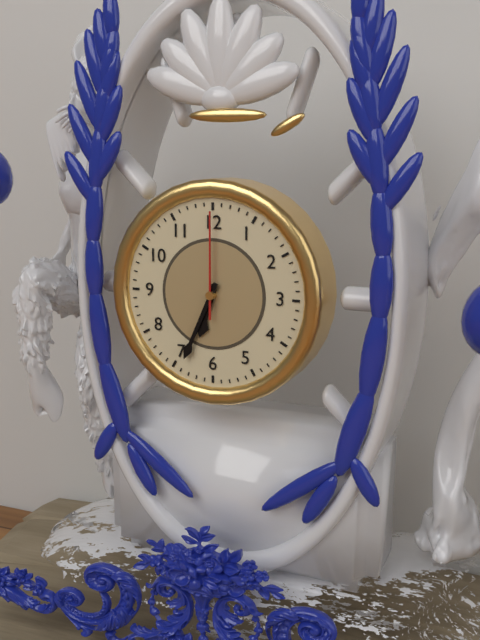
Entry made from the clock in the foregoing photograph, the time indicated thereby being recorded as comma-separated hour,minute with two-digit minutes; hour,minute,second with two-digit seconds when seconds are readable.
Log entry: 6,34,00
